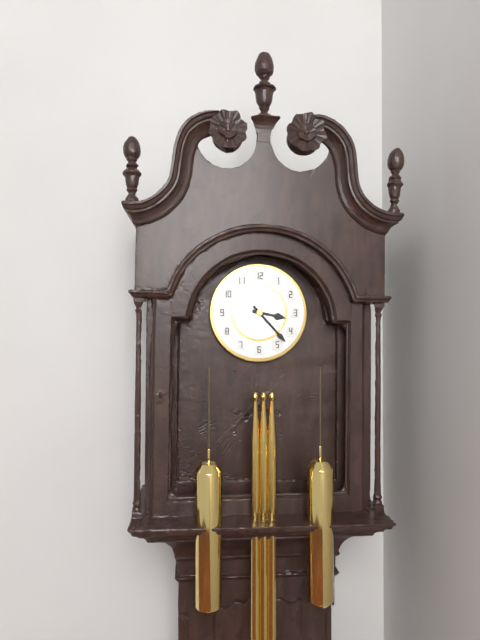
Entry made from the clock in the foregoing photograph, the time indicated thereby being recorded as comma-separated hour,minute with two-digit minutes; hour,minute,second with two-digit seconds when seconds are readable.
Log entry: 3,23
